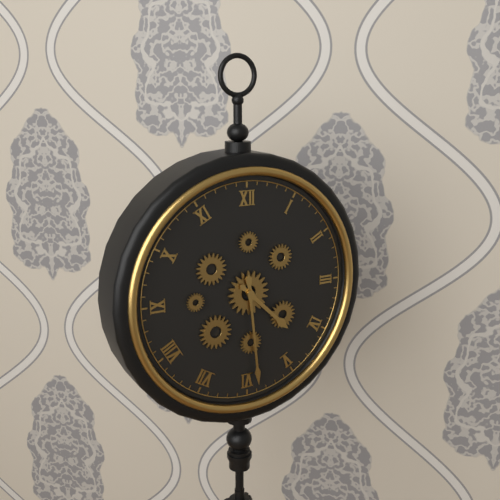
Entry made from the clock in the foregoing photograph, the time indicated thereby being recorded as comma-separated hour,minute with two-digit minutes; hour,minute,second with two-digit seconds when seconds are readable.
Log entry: 4,29
